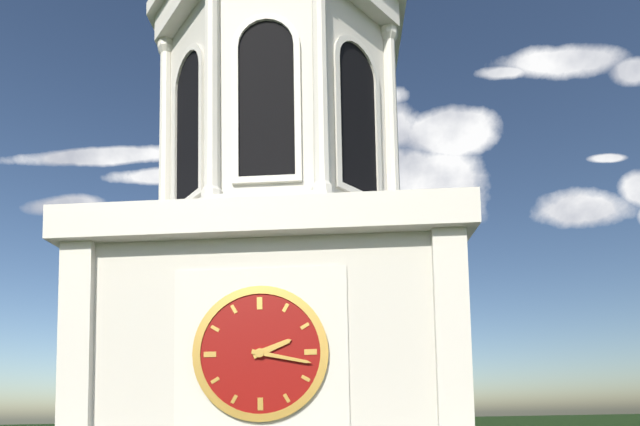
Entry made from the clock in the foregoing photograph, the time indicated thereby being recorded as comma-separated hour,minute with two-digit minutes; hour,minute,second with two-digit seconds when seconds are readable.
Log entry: 2,17
